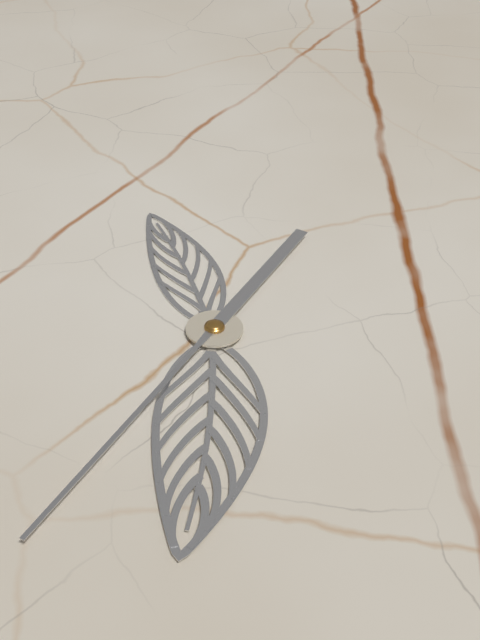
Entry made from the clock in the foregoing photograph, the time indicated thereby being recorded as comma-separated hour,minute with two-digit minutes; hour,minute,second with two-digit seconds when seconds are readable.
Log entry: 4,59,03
